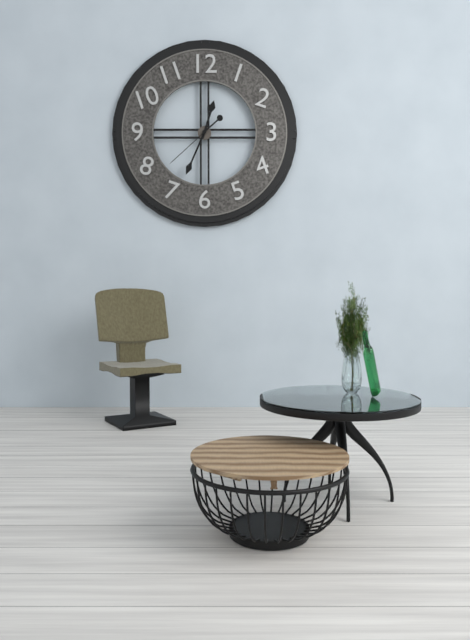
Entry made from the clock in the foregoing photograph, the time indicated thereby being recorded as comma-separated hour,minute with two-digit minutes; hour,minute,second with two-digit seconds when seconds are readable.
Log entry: 12,34,38
